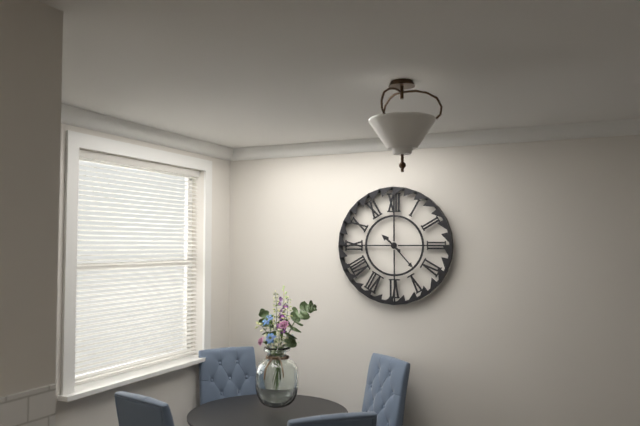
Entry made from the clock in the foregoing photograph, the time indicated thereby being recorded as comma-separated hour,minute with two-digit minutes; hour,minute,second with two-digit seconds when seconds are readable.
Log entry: 10,23
